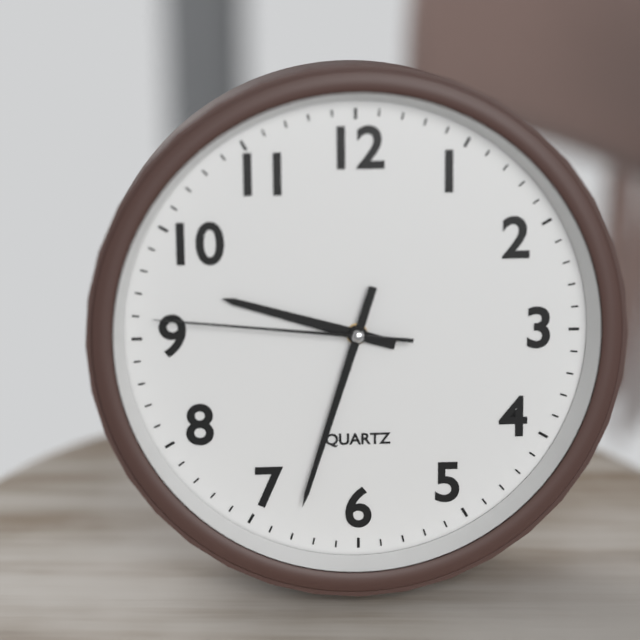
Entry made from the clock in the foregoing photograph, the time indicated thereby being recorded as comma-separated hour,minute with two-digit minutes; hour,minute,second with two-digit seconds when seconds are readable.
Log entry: 9,33,46
